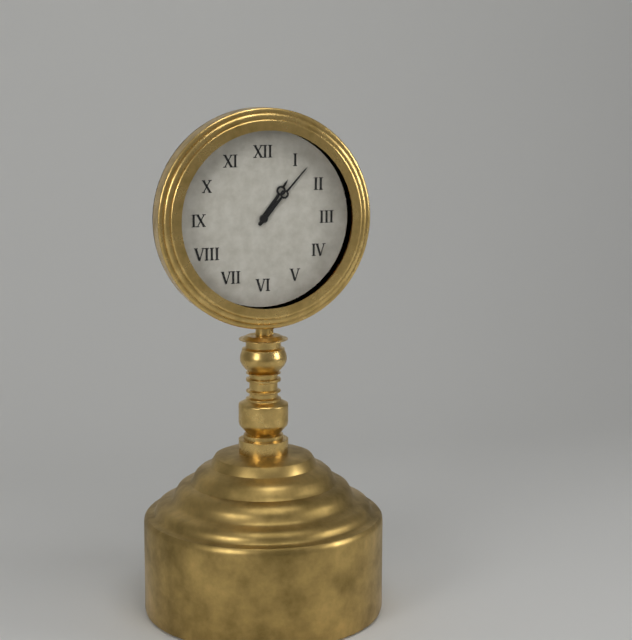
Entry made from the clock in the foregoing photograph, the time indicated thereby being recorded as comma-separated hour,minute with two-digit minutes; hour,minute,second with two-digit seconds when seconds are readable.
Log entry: 1,07
